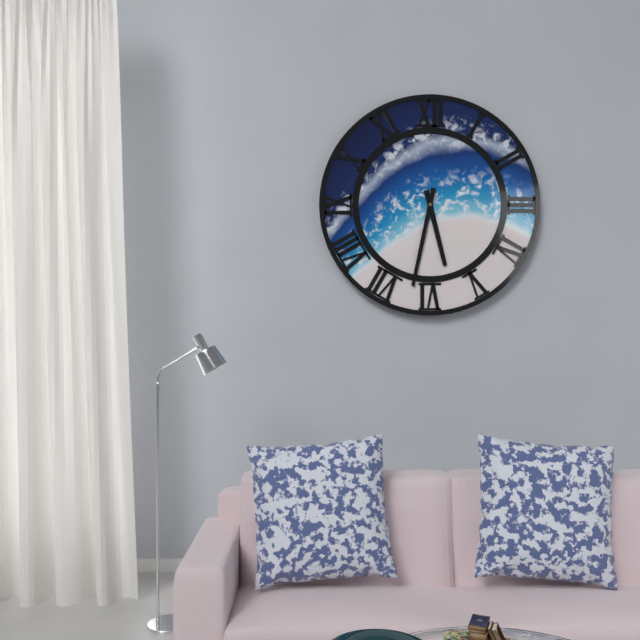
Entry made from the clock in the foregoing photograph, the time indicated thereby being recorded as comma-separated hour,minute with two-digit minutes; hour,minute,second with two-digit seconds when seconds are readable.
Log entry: 5,32
